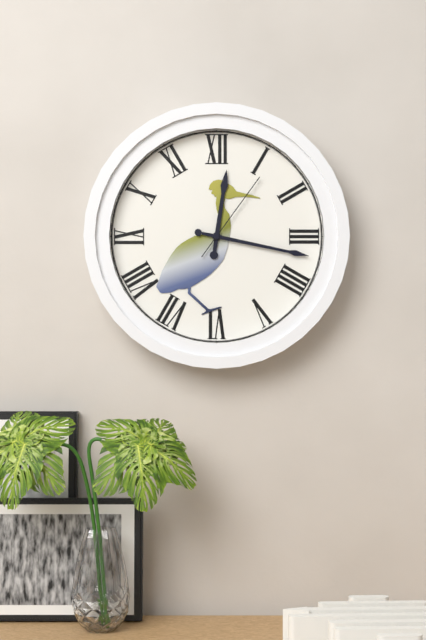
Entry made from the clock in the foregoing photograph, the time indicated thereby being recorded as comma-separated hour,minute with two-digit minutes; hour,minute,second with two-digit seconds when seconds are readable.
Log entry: 12,17,06
